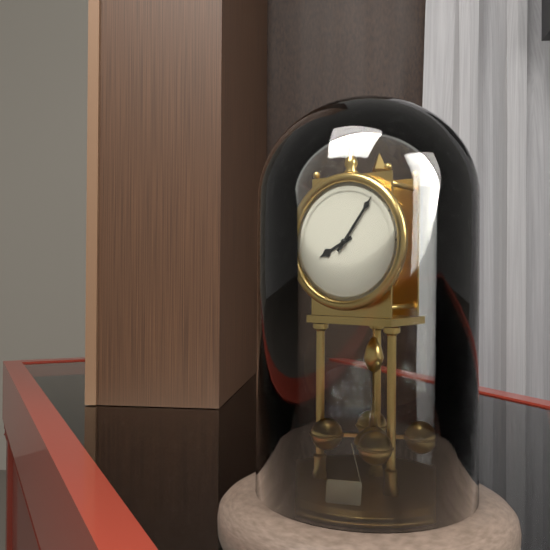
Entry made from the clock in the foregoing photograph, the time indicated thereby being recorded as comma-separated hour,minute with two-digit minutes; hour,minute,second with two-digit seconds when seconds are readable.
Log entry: 8,06
